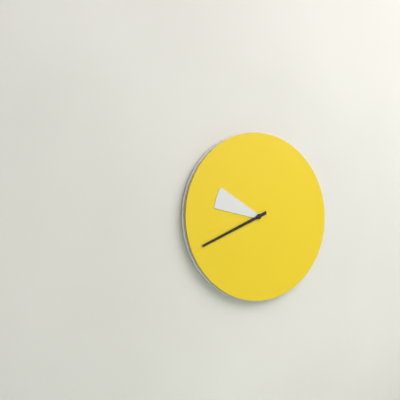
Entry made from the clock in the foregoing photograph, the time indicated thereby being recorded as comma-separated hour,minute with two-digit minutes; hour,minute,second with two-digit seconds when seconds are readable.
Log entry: 9,41
